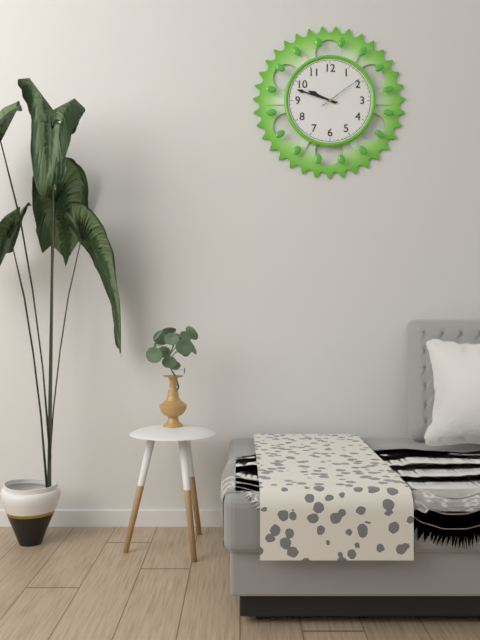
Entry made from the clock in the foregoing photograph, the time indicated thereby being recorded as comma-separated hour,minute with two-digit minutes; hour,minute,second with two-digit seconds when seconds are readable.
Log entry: 9,48
